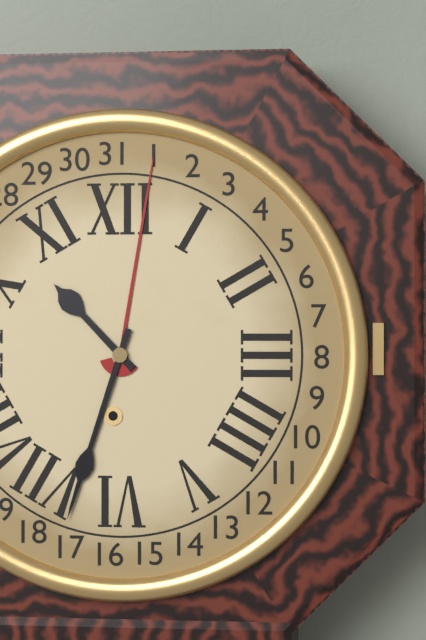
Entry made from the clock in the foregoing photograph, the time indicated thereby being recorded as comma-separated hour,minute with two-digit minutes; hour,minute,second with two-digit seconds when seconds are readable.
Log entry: 10,33
